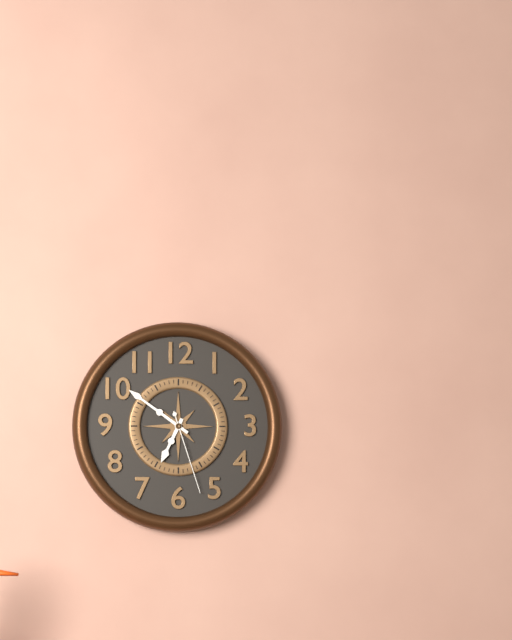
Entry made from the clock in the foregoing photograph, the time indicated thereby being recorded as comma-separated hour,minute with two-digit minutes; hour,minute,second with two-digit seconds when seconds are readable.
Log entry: 6,51,27
